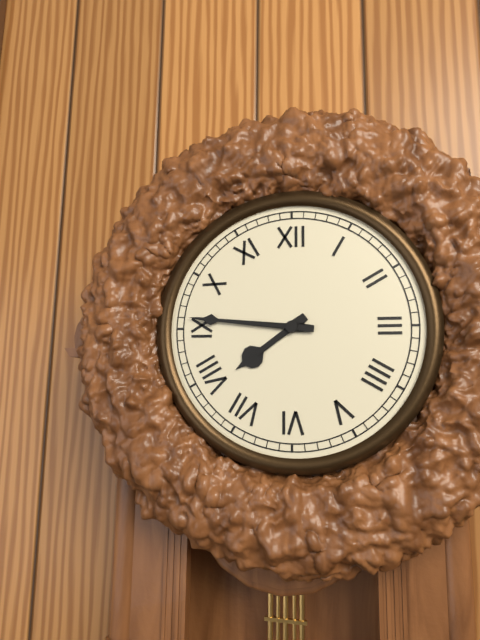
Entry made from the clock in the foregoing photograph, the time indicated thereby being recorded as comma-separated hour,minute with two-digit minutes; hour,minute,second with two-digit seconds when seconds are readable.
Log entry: 7,46
